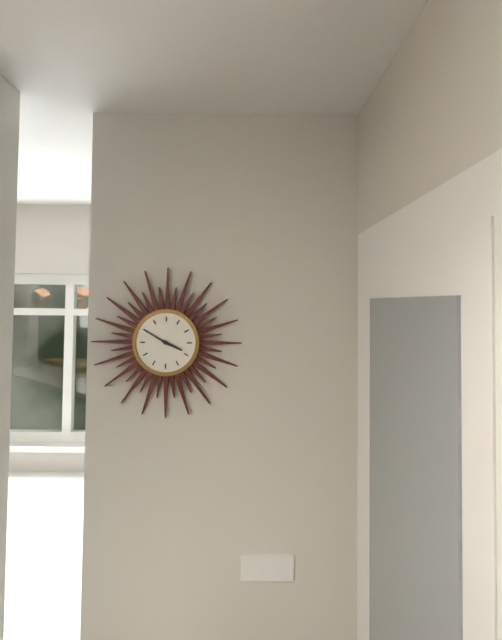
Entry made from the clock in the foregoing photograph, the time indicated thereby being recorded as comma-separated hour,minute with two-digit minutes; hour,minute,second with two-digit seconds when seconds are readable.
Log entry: 3,50
